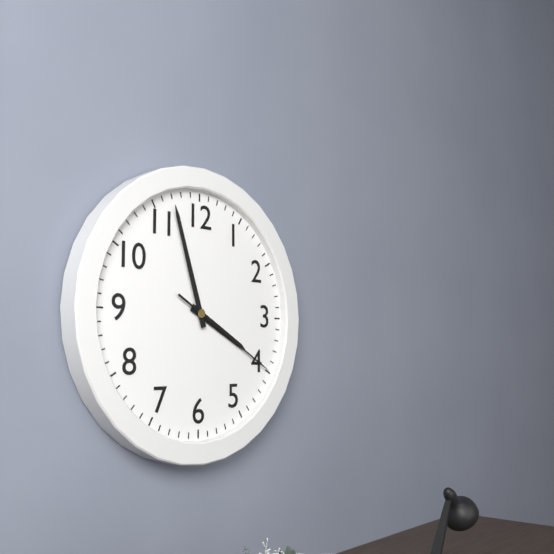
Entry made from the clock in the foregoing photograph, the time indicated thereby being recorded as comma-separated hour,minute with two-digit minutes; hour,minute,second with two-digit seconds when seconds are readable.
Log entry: 3,57,20
